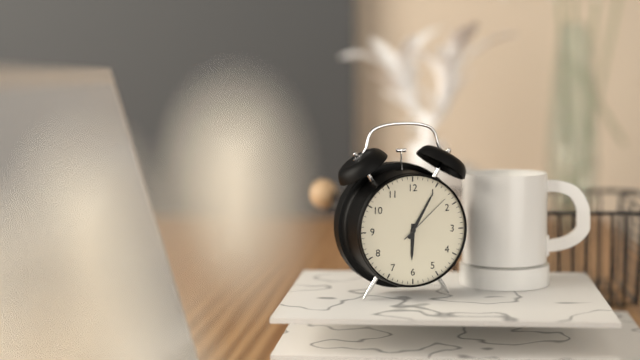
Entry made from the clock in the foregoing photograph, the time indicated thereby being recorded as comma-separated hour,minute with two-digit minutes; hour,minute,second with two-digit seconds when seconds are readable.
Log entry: 6,05,08
